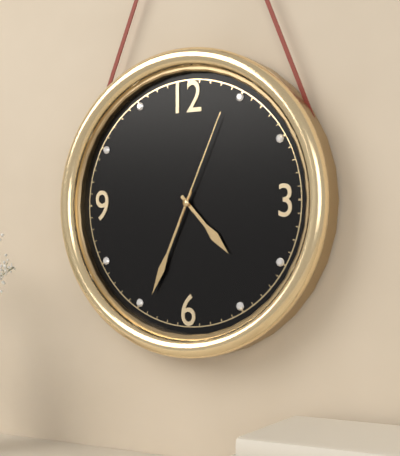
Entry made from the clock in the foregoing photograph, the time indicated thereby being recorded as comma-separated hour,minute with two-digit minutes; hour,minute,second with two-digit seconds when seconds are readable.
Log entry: 4,34,04
